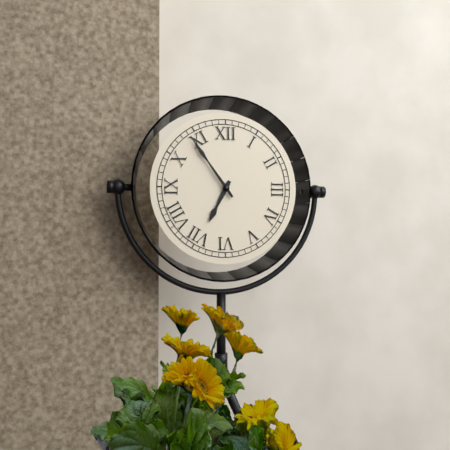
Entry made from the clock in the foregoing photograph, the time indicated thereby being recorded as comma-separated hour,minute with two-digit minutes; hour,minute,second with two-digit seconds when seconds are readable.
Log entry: 6,54
